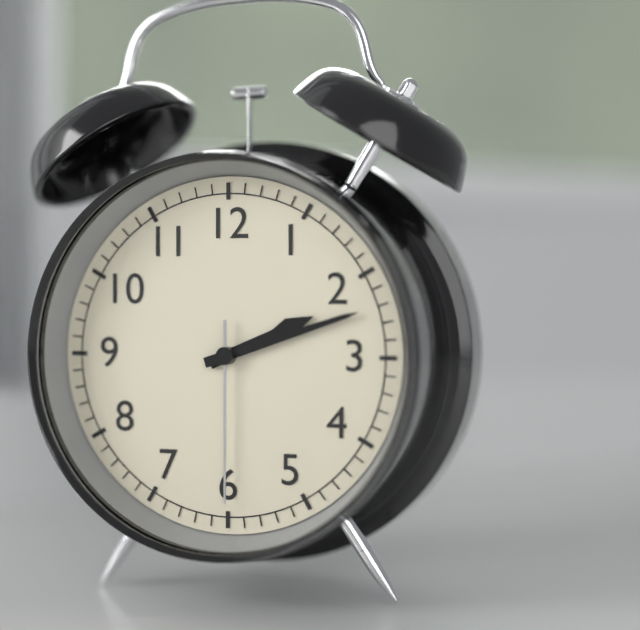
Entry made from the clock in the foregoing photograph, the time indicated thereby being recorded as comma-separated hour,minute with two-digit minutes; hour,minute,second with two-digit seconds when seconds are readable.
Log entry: 2,12,30
